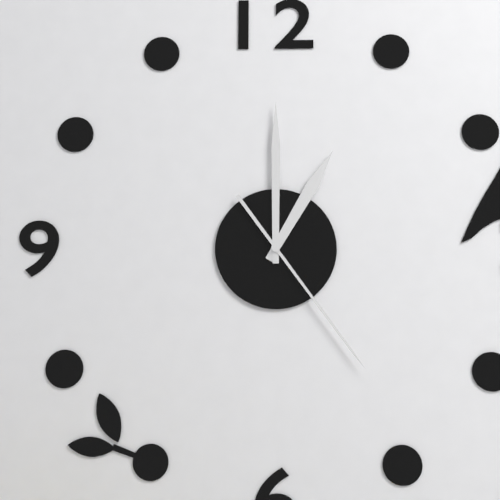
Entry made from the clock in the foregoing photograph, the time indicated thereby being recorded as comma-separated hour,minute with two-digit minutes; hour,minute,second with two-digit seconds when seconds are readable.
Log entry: 1,00,24
